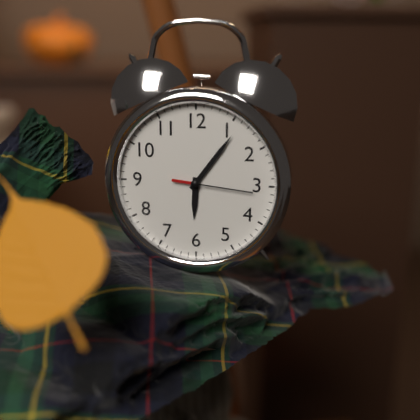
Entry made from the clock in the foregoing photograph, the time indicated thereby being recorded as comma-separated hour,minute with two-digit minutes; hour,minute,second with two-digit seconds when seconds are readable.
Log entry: 6,06,16
